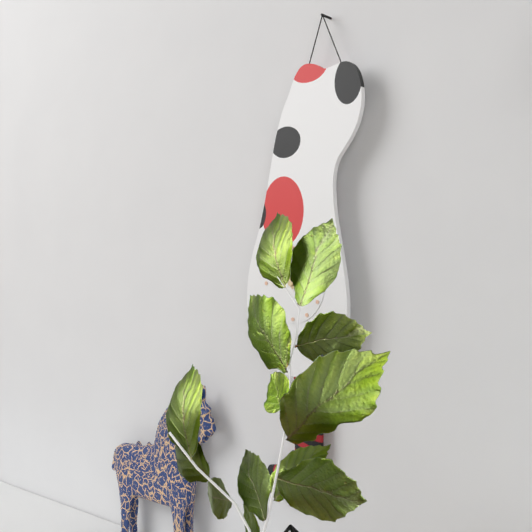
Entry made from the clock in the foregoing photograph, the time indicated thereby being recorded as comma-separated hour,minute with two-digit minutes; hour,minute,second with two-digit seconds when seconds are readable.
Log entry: 10,53
